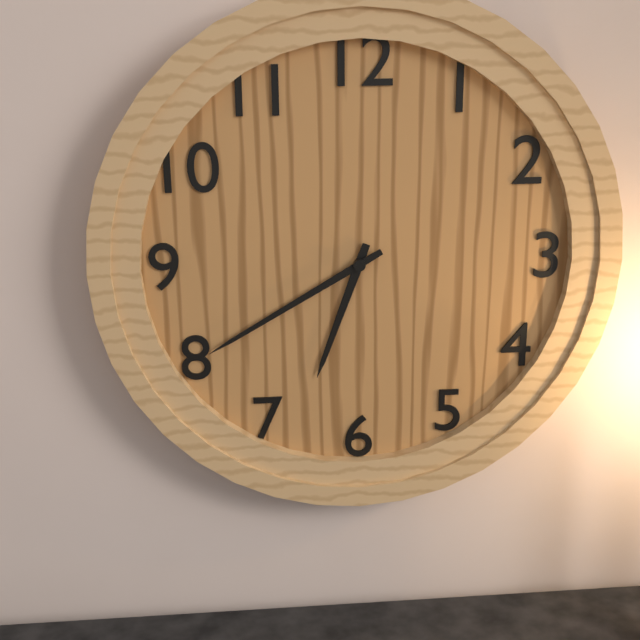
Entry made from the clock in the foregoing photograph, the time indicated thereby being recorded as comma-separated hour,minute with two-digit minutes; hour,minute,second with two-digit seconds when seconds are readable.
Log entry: 6,40
